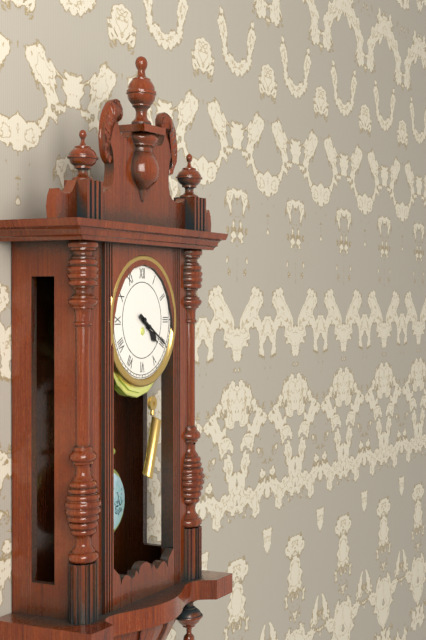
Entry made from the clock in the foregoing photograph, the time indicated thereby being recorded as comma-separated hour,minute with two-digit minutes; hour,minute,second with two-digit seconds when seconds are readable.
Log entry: 4,20
